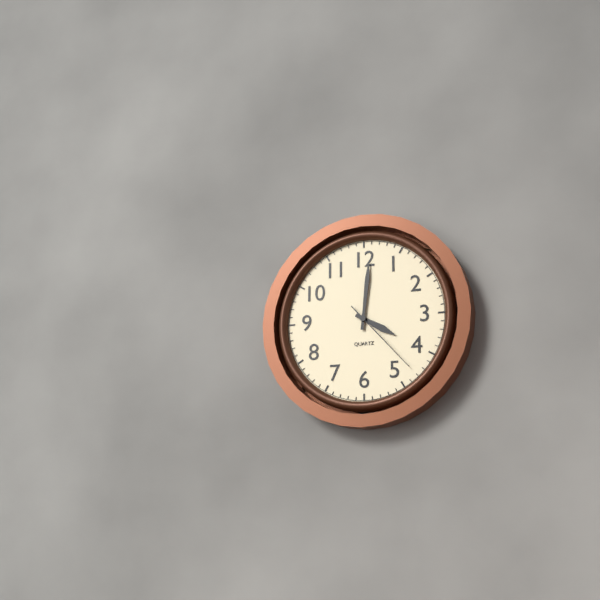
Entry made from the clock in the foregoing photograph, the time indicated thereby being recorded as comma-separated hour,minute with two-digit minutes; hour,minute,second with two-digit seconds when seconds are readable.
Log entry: 4,01,23
